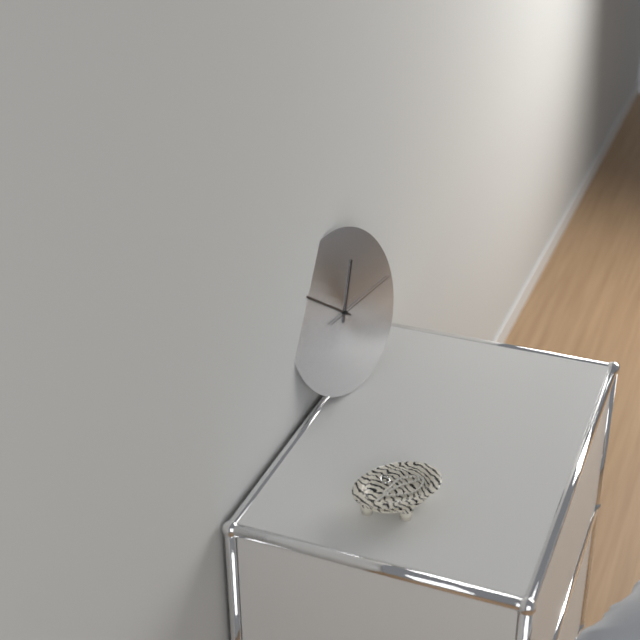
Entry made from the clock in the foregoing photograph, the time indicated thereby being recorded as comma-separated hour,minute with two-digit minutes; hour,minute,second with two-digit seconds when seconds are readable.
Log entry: 12,51,14
